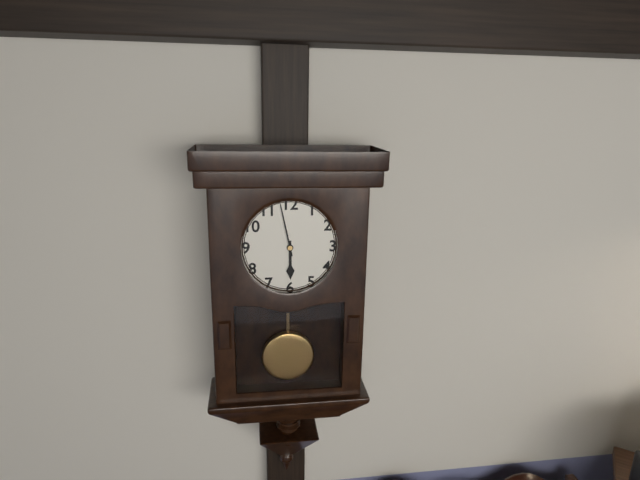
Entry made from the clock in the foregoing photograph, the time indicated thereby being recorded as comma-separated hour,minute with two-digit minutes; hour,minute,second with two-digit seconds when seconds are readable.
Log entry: 5,58
